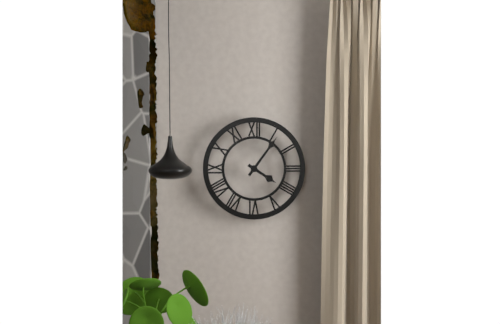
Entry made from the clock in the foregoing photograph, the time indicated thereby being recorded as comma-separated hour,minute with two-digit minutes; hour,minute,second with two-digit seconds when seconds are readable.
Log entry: 4,06
